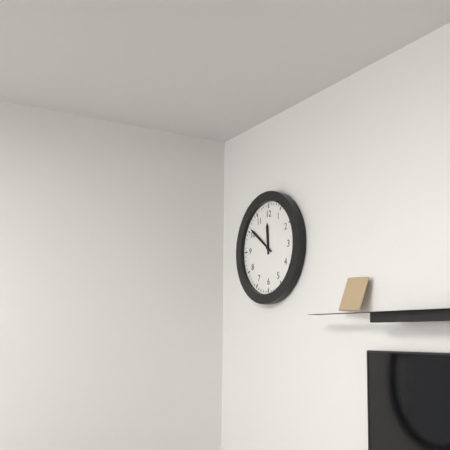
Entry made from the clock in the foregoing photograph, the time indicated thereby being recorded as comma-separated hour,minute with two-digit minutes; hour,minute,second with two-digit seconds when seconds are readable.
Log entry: 11,51
